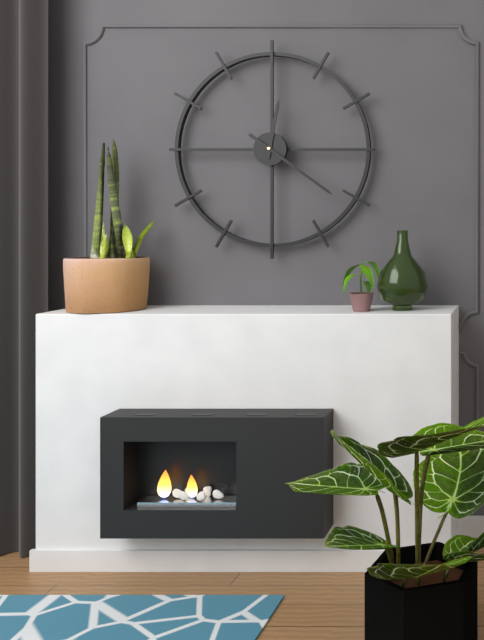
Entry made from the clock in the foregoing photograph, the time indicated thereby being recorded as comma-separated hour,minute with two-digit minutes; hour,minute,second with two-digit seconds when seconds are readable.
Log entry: 12,21
